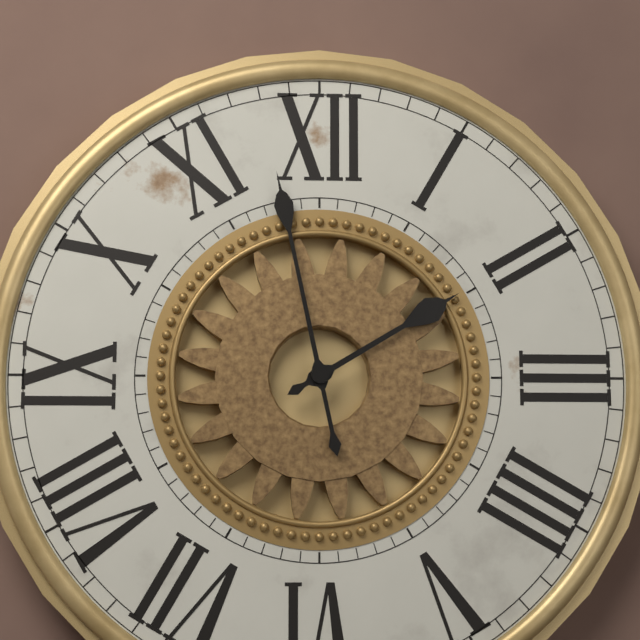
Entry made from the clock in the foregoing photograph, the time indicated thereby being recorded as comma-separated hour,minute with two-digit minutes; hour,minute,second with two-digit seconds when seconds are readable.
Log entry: 1,58
